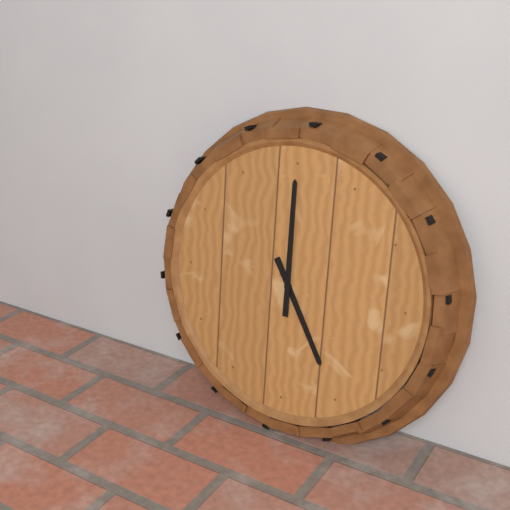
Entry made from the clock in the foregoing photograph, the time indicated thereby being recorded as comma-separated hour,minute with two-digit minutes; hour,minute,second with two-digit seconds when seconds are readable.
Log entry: 5,00
